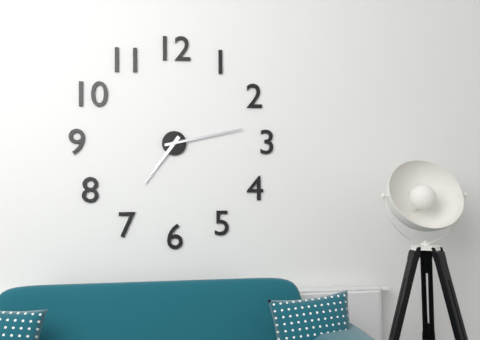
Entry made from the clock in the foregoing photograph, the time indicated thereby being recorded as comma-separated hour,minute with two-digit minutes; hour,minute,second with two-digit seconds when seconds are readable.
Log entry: 7,13
